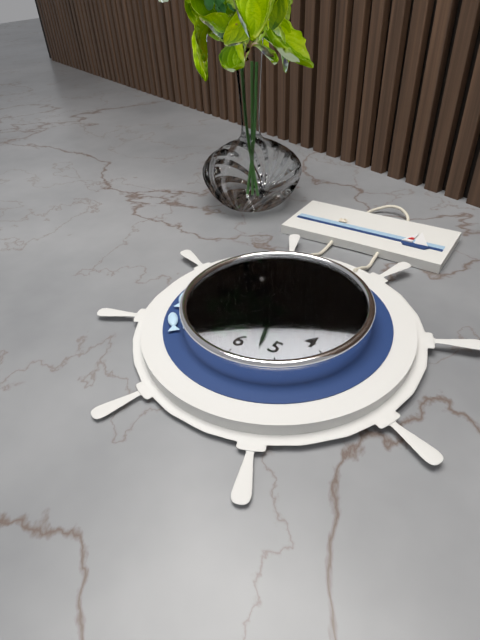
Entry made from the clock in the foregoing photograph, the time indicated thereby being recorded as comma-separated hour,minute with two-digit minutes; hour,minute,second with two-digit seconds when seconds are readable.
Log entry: 12,27,40
